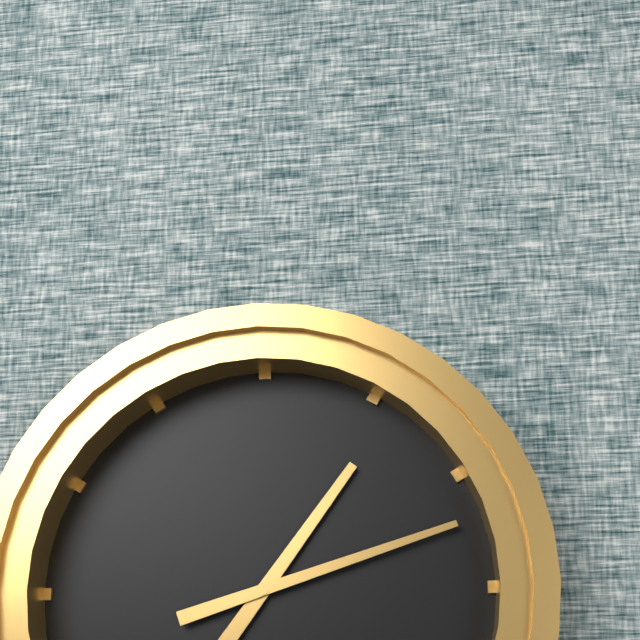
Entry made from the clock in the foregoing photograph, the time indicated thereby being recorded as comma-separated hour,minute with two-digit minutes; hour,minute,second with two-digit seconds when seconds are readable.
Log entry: 1,12
